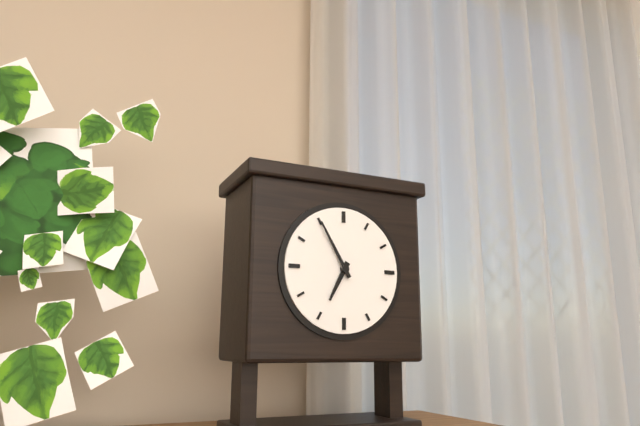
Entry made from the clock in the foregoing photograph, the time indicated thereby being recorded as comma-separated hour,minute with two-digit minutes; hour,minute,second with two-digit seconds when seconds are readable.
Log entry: 6,55
